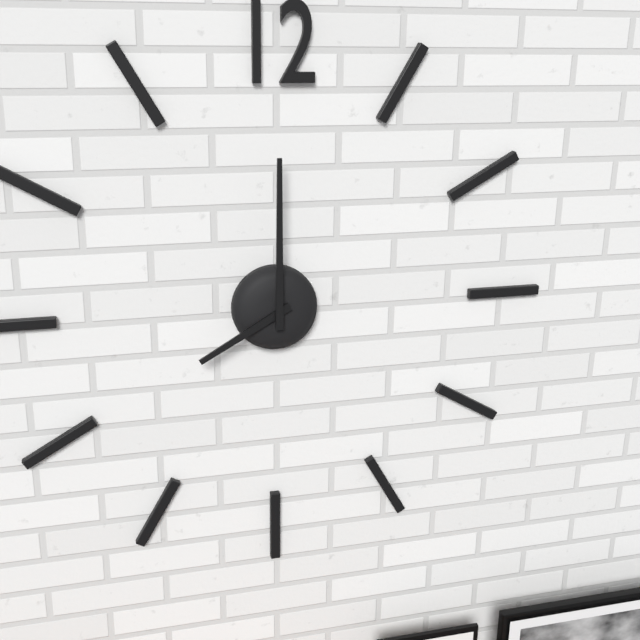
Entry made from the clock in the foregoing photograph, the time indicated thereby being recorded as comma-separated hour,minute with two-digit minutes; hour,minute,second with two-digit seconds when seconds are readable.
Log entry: 8,00
